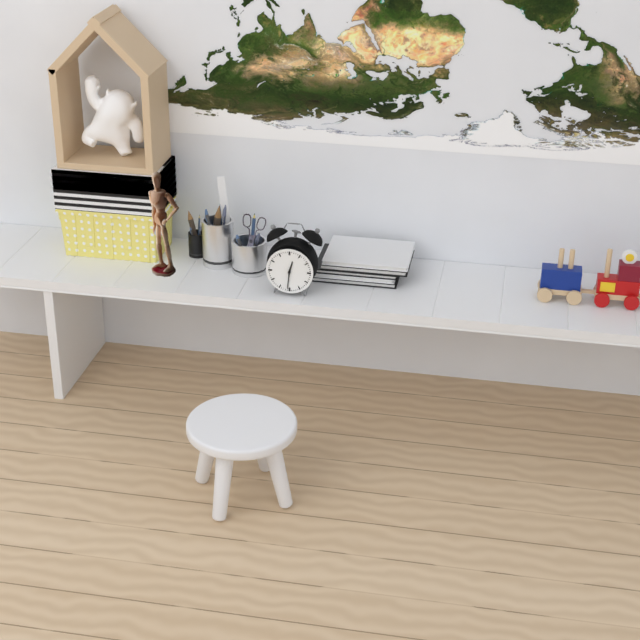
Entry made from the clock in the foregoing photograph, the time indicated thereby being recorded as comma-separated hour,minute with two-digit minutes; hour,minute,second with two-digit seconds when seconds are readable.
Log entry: 12,31
